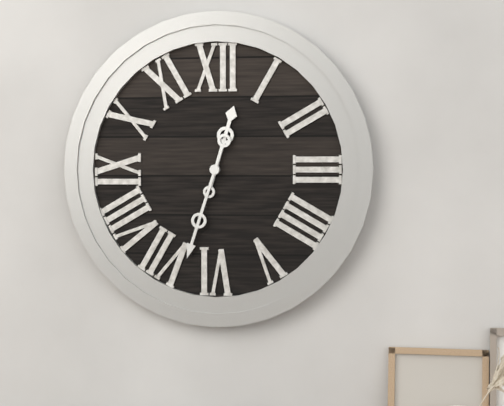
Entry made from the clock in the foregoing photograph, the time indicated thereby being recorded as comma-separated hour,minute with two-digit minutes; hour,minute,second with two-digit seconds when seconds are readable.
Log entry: 12,33
